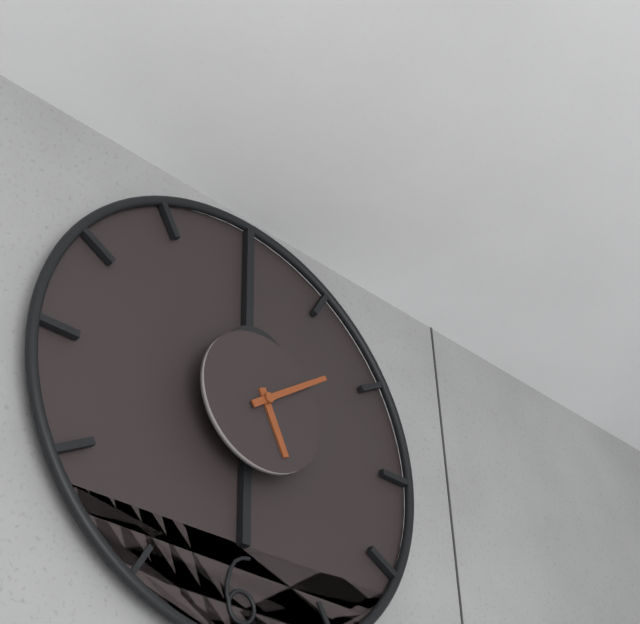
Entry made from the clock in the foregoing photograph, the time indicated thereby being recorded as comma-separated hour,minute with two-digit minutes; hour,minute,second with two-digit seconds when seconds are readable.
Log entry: 5,09
